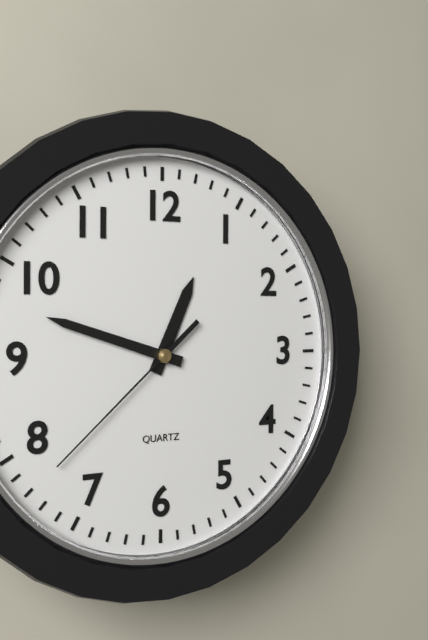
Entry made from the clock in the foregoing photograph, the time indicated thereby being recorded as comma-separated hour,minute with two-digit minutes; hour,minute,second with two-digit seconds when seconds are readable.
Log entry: 12,48,38
